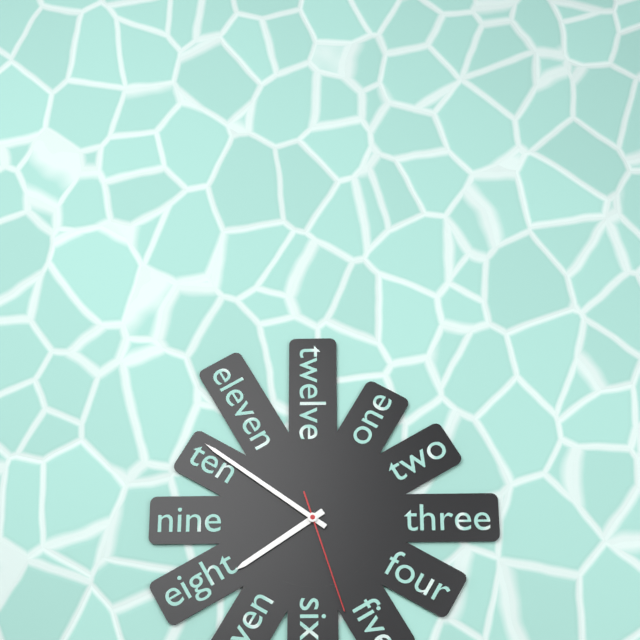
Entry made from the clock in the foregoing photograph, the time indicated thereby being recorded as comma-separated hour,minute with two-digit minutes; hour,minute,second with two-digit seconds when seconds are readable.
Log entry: 7,51,27
